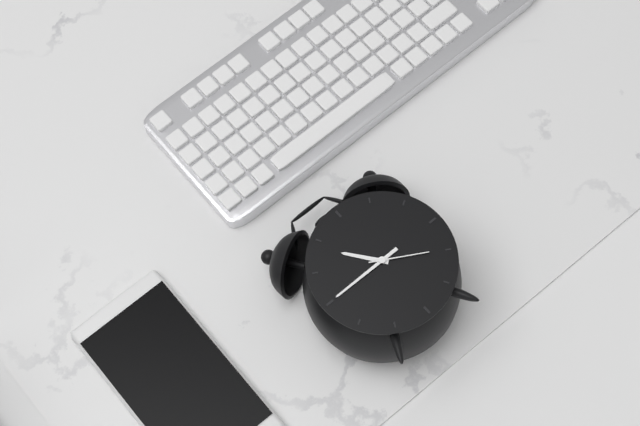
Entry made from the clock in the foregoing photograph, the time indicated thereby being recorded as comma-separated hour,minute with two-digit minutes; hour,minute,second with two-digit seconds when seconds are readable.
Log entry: 10,45,20
